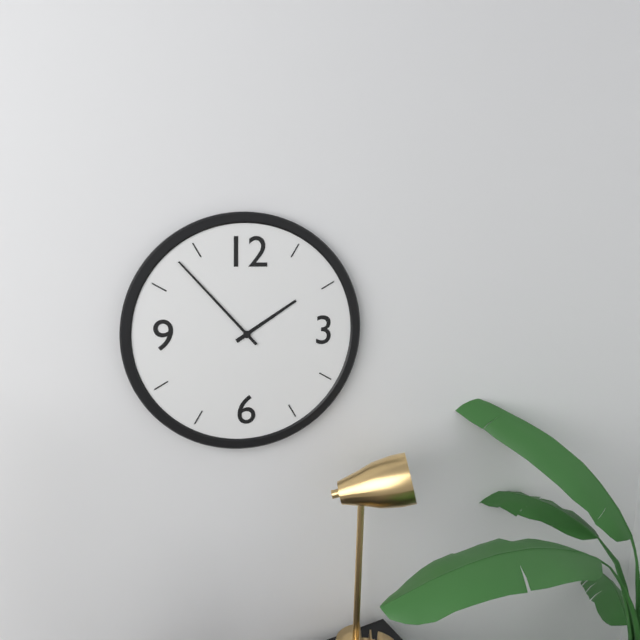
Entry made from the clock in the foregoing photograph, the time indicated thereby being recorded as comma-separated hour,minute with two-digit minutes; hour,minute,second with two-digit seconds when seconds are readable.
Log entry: 1,53
